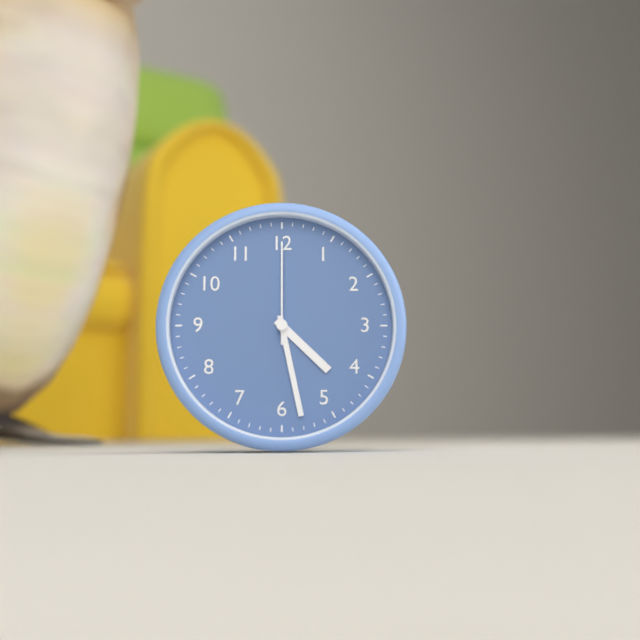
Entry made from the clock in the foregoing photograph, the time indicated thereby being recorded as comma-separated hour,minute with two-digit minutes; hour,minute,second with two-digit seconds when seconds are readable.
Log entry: 4,28,00
